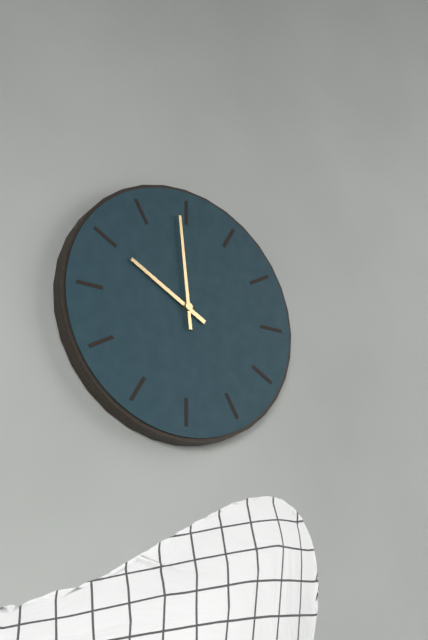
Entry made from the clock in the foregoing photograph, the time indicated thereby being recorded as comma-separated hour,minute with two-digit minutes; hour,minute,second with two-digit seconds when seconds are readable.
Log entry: 9,59
